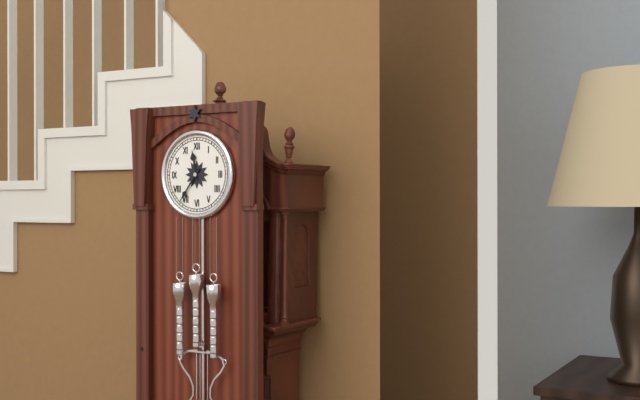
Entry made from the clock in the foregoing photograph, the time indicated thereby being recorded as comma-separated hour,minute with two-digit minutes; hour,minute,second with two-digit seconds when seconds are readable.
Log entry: 11,36
